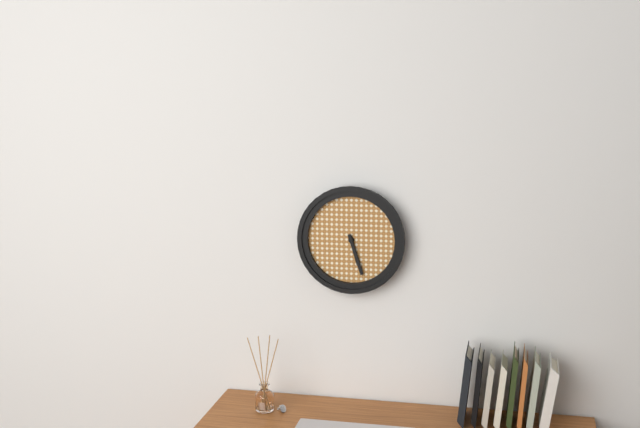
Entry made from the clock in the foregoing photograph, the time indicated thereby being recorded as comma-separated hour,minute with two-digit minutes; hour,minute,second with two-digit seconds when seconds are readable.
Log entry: 5,27
